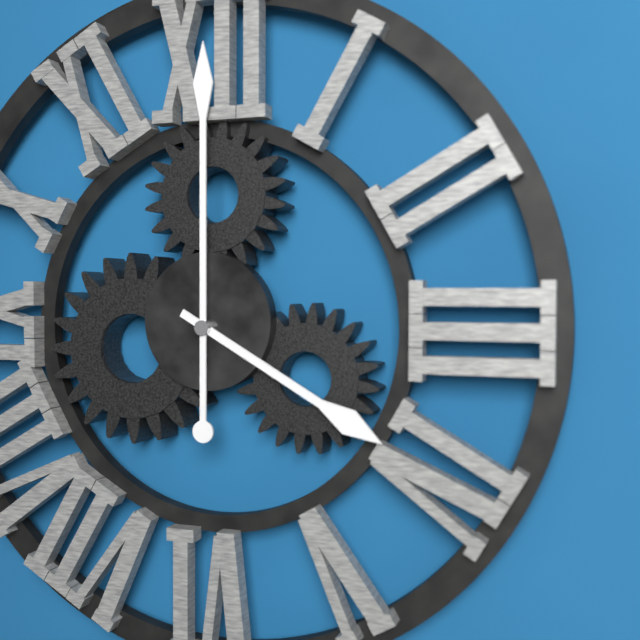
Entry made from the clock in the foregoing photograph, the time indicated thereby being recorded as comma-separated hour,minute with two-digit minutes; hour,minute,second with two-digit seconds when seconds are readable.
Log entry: 4,00
